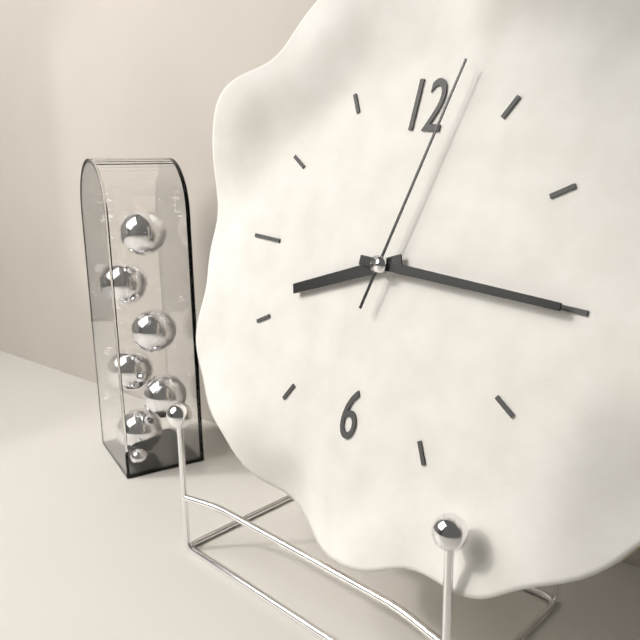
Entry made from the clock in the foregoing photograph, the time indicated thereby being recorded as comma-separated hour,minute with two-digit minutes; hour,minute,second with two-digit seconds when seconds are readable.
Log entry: 8,15,02
